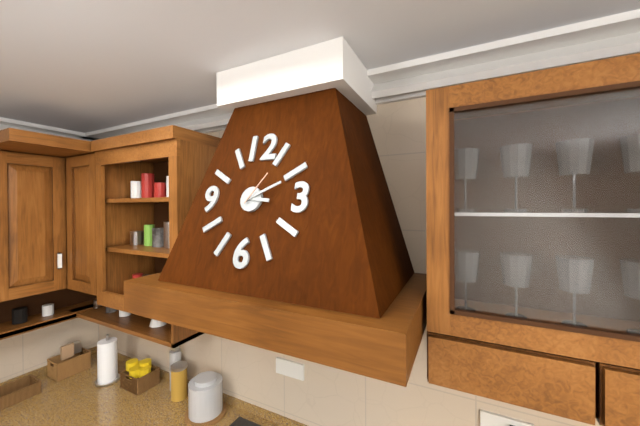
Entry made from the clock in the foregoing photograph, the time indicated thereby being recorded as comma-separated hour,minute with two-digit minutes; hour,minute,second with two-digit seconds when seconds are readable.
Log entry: 3,11
